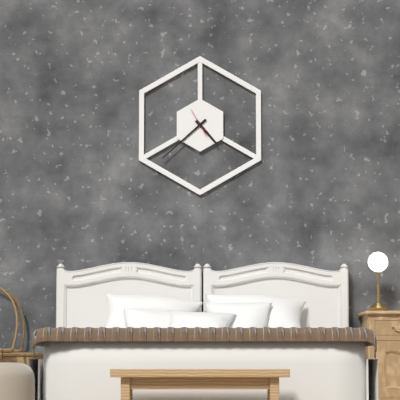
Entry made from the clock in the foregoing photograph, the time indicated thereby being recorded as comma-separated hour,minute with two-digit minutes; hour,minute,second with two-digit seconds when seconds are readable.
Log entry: 4,38
